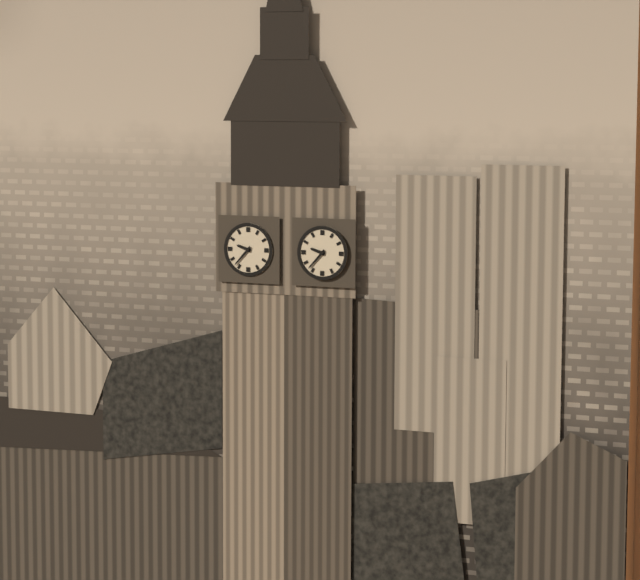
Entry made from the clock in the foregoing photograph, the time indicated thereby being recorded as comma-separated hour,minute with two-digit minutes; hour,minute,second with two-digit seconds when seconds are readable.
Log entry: 9,37
